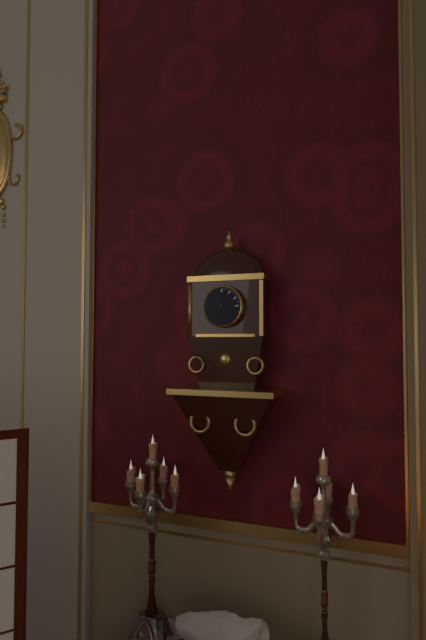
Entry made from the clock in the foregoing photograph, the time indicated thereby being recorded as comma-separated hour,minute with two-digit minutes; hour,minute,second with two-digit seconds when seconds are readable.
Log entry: 6,17
